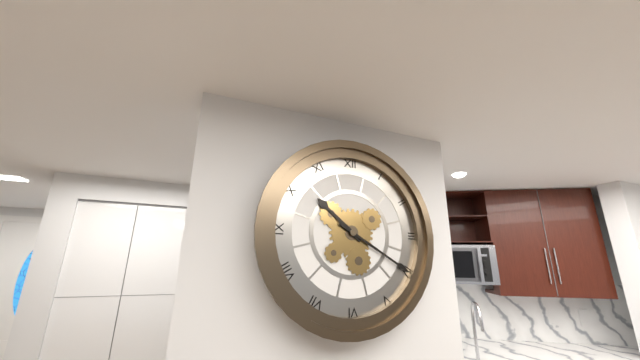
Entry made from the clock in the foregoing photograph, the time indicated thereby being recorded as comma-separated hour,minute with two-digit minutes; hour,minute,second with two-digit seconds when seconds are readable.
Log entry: 10,20
